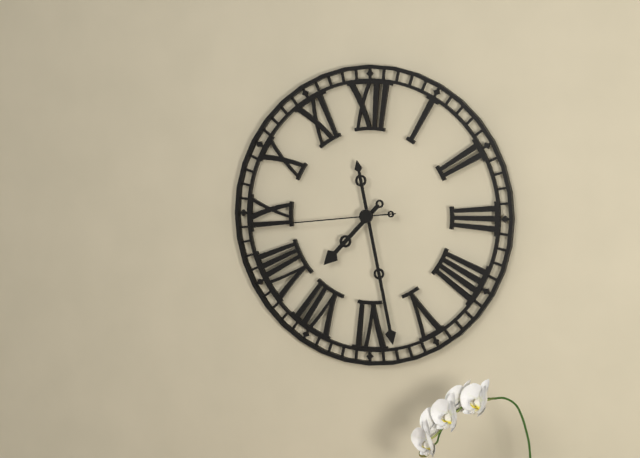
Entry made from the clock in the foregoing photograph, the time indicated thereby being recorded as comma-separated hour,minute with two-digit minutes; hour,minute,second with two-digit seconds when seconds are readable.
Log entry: 7,28,44
